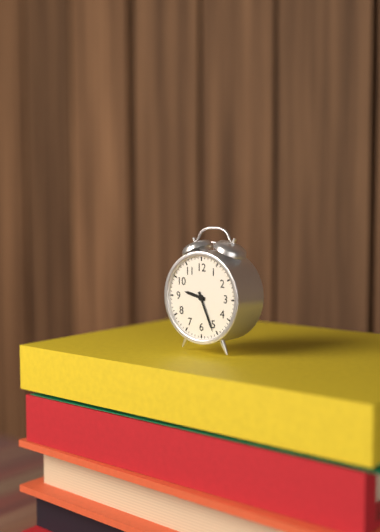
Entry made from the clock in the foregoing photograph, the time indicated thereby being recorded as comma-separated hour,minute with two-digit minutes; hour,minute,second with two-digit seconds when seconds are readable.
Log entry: 9,26
